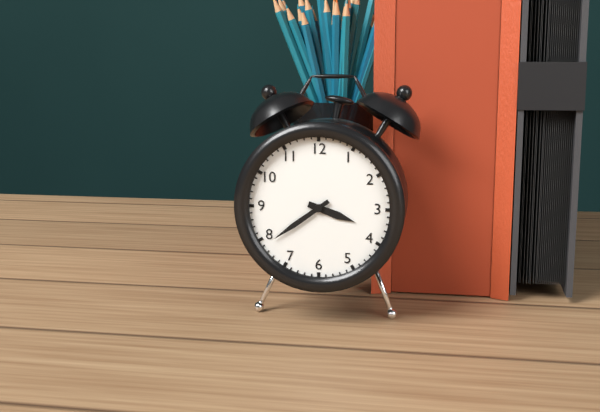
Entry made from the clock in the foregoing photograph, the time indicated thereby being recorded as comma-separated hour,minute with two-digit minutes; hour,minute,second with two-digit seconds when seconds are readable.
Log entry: 3,39
